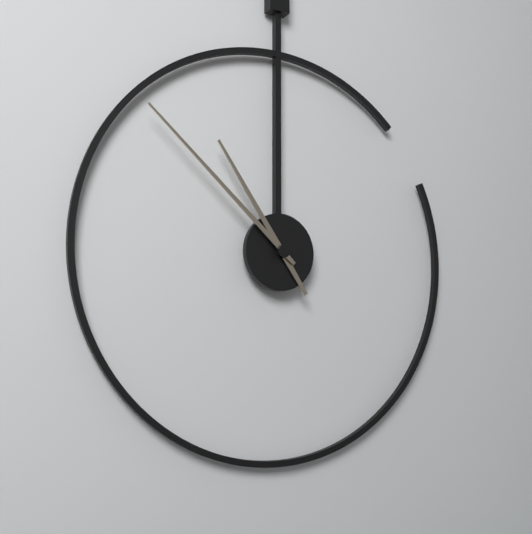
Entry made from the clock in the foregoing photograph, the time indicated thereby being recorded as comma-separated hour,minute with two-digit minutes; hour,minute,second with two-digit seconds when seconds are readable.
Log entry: 10,52
